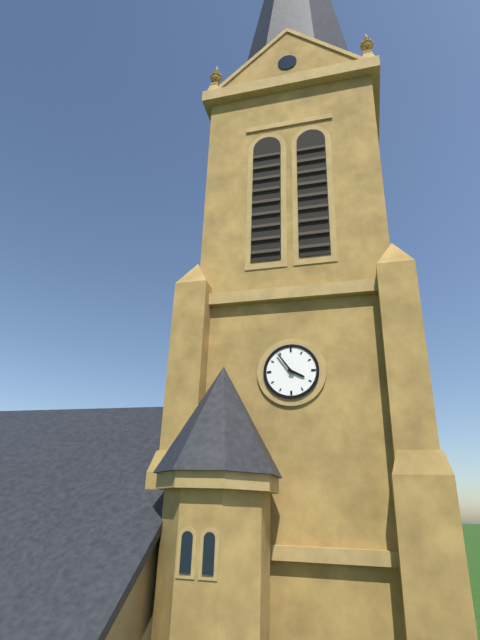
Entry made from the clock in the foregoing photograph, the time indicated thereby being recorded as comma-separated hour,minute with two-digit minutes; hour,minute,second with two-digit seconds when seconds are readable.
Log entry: 3,54
